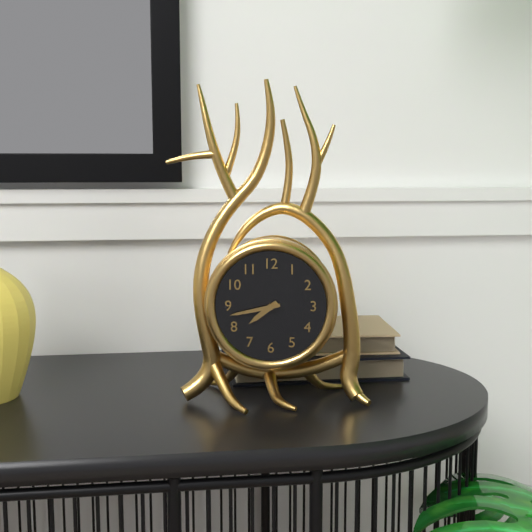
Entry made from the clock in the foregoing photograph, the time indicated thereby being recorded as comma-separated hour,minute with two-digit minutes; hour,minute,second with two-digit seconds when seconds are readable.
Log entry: 7,43
